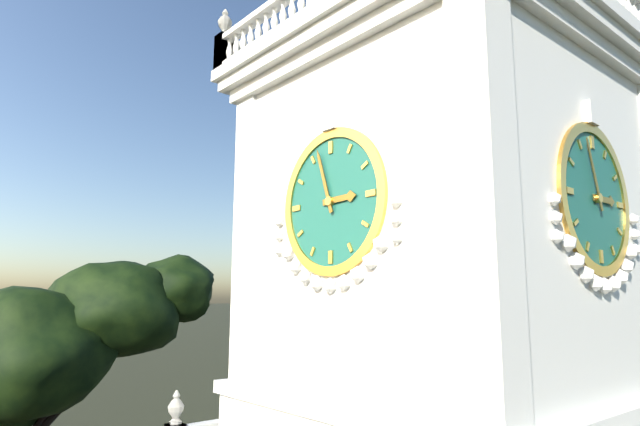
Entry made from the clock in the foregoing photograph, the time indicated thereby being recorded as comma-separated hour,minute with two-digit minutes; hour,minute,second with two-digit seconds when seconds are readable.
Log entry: 2,57
